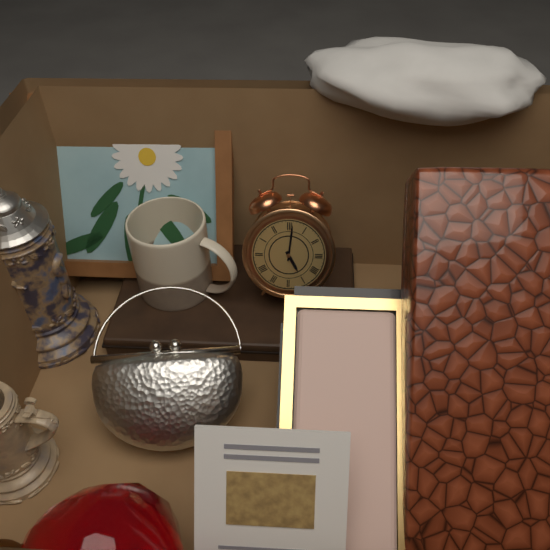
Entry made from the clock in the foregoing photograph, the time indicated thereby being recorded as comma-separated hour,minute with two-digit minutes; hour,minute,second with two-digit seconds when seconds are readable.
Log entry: 5,01
